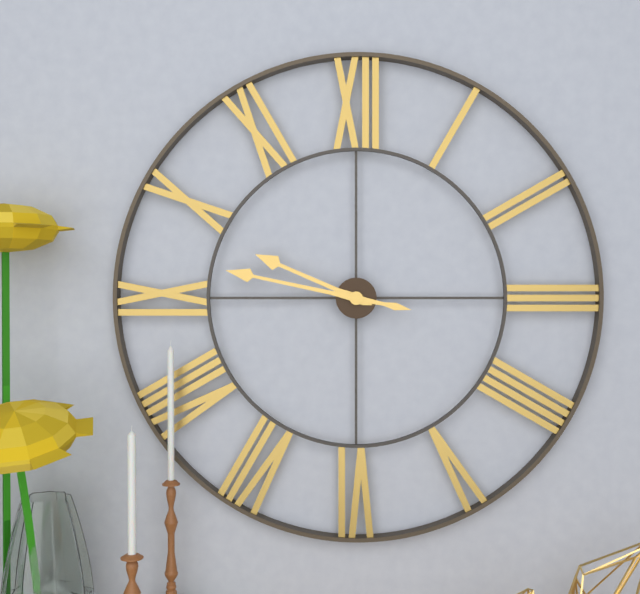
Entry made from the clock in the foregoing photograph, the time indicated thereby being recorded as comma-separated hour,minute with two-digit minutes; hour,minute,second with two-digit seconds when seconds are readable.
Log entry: 9,47
